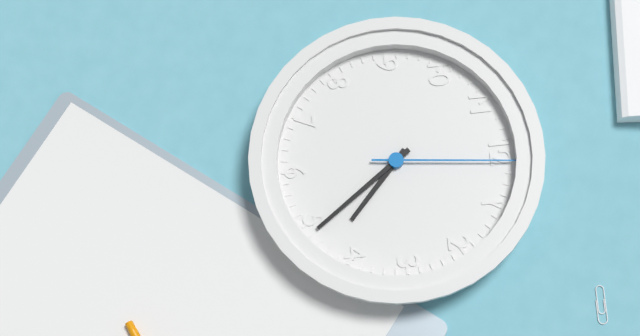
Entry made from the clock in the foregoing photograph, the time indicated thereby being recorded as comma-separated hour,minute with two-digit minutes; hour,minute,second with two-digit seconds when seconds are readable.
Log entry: 4,24,01
